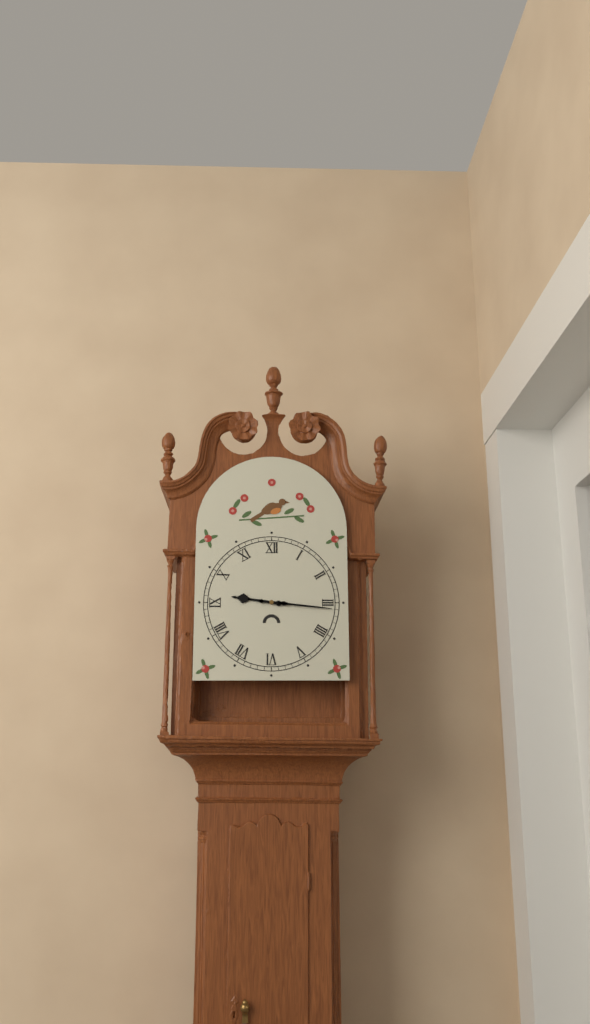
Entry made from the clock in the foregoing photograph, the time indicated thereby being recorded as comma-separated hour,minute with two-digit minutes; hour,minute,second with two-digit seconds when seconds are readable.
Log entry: 9,16
